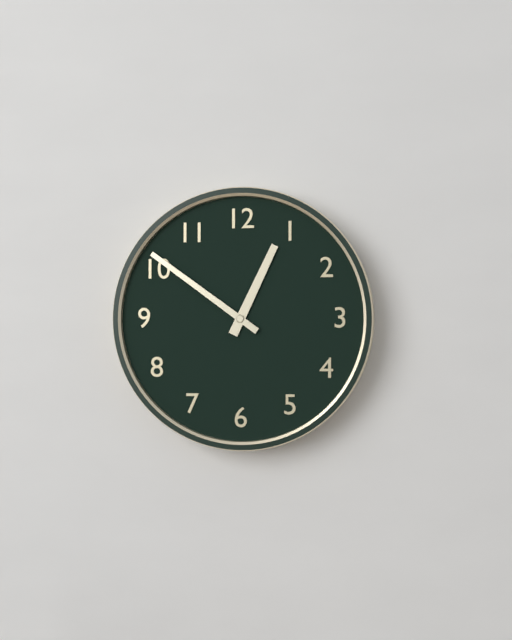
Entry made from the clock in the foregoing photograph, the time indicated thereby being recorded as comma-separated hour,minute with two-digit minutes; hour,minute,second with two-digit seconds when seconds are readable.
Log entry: 12,51
